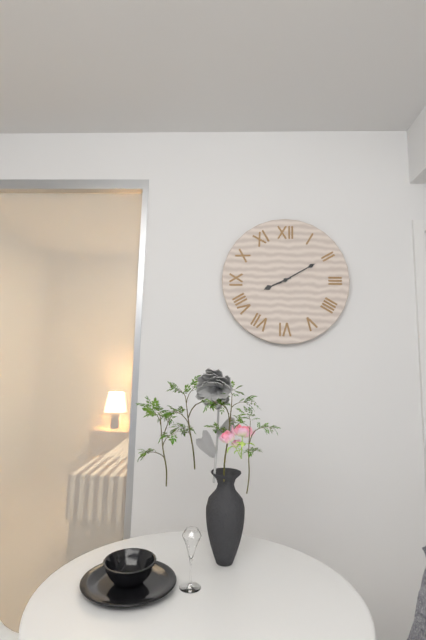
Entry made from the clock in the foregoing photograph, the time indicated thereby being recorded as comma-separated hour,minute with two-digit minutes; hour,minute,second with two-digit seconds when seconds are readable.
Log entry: 8,10
